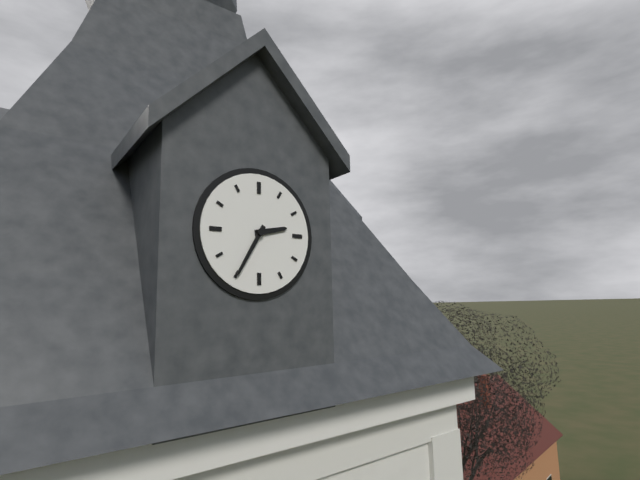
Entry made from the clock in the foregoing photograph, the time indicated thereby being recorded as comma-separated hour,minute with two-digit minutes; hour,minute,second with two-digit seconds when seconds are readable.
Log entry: 2,35
